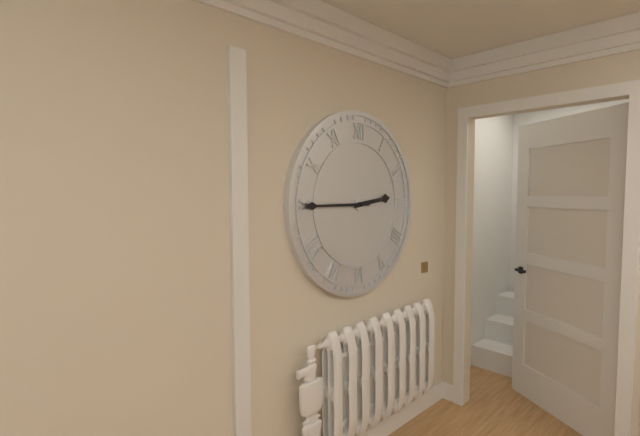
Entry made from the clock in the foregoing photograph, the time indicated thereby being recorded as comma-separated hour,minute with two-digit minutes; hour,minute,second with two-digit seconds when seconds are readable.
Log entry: 2,45
